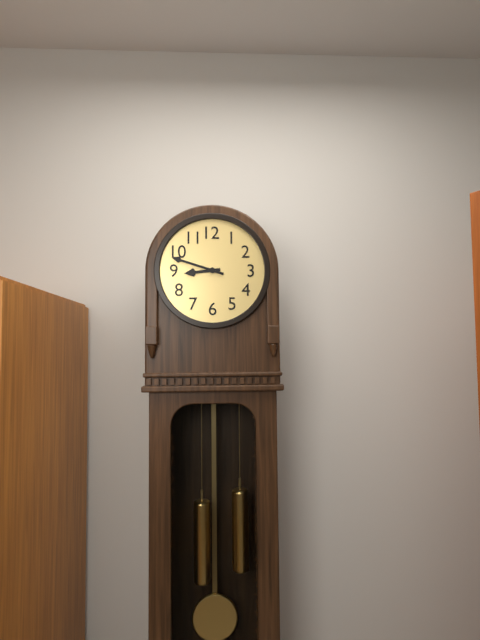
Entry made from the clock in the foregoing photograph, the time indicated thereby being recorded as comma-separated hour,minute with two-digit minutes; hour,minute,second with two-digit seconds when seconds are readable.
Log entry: 8,48
